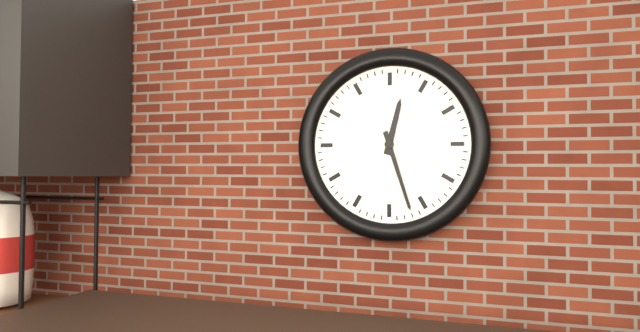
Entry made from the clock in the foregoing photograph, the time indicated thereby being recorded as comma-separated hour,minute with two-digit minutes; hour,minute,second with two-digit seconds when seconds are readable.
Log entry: 12,27
